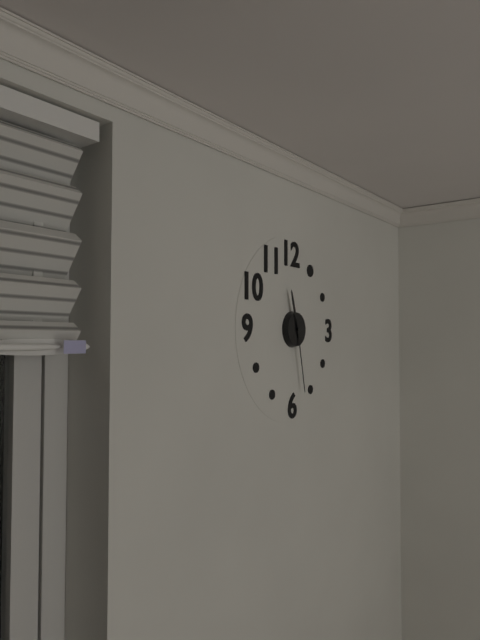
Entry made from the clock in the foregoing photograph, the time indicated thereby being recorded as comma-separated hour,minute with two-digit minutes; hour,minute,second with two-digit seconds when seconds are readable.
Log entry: 11,28
